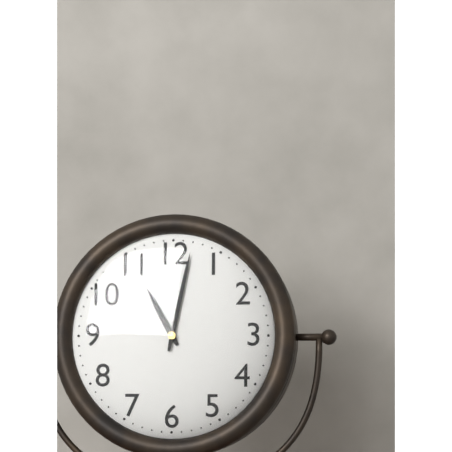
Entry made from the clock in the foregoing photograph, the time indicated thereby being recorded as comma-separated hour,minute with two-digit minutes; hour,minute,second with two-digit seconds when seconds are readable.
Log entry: 11,02
